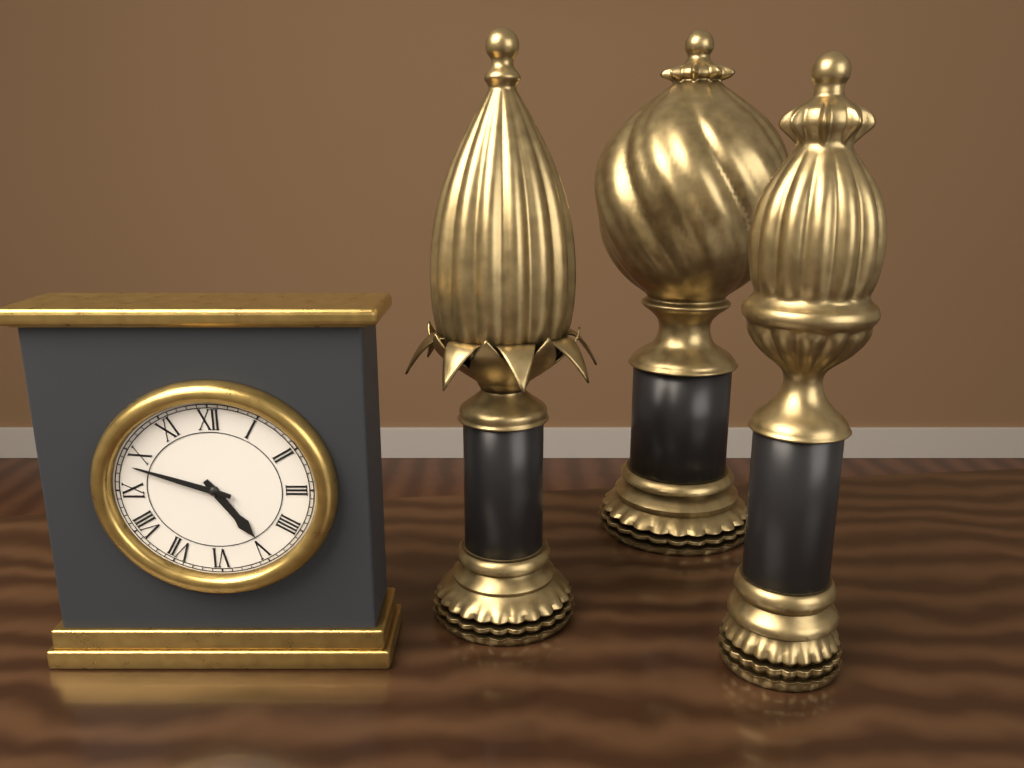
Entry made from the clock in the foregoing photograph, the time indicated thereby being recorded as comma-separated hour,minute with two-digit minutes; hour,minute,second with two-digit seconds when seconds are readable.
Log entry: 4,48
